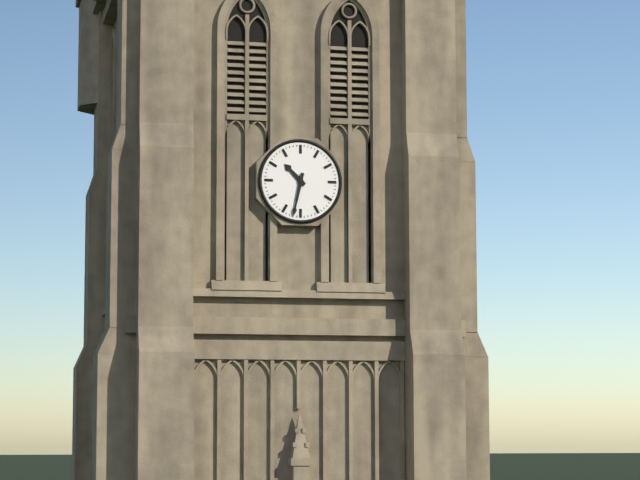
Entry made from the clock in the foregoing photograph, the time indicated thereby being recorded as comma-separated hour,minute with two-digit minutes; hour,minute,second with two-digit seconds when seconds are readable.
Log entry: 10,32
